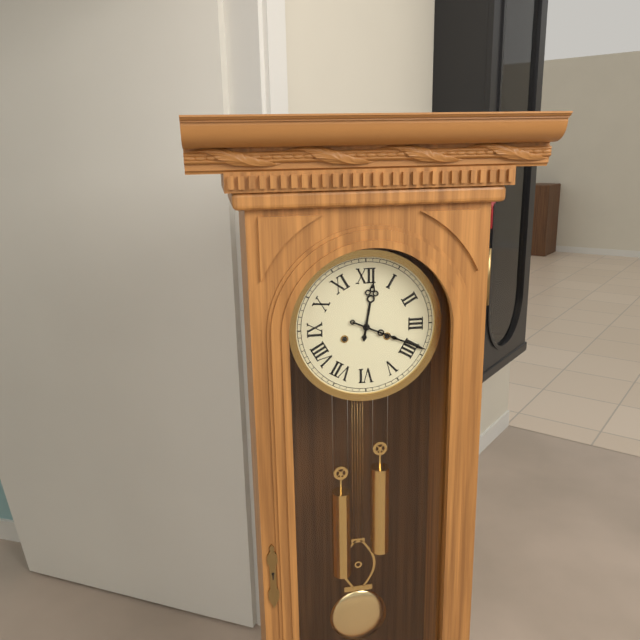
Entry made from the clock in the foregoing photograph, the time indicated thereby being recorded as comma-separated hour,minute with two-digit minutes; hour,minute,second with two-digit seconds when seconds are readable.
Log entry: 12,19
